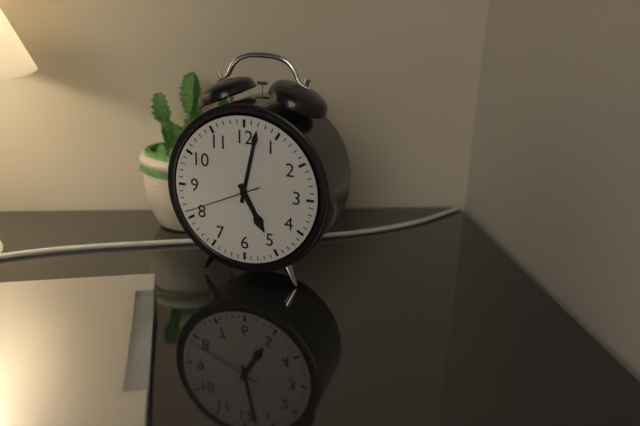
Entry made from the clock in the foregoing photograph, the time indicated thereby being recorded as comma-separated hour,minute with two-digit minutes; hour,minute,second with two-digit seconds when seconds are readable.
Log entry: 5,02,41
